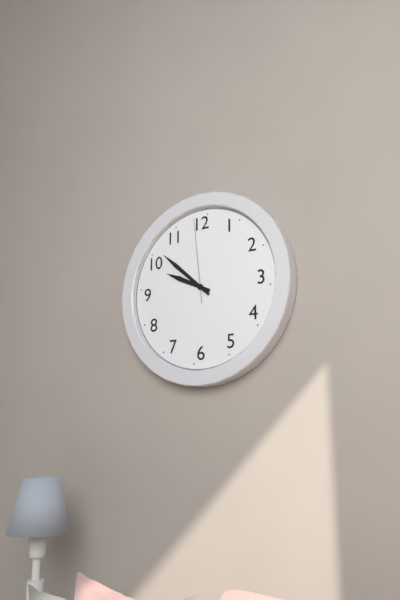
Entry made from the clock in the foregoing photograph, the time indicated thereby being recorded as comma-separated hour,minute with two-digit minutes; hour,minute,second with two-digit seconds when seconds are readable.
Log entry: 9,52,59
